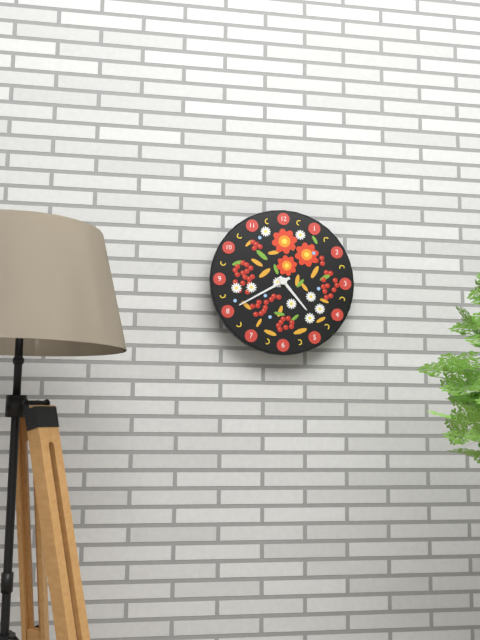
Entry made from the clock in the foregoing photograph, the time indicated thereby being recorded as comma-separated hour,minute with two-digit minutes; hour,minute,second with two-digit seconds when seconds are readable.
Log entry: 4,40
